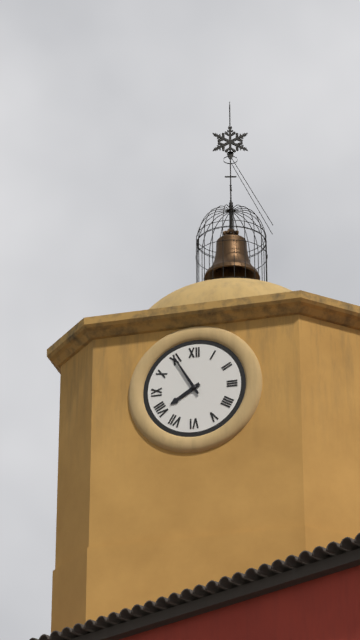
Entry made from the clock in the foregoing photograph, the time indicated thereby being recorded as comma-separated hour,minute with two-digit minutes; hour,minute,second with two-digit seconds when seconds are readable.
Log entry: 7,55
